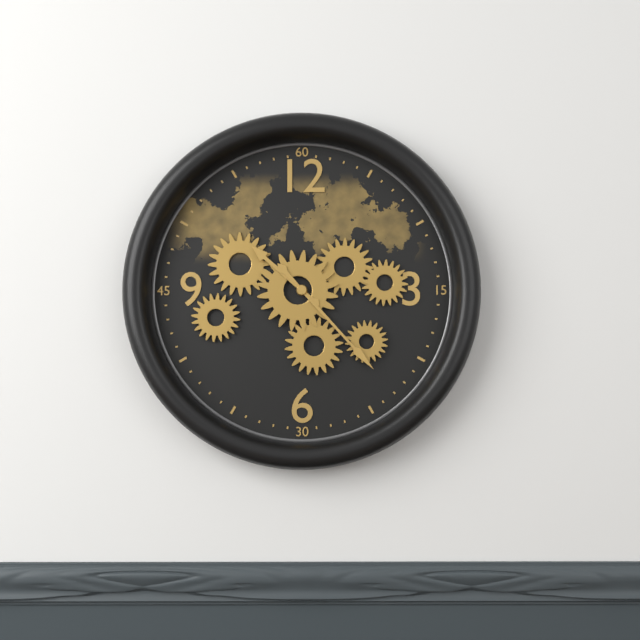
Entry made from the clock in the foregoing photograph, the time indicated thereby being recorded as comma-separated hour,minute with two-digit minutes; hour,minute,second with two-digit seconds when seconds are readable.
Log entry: 10,23
